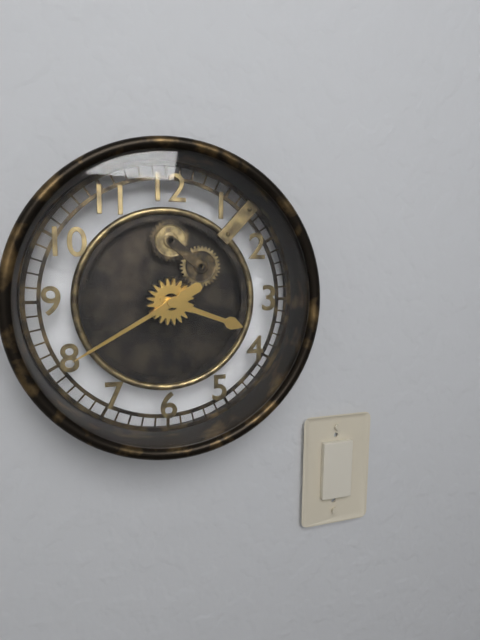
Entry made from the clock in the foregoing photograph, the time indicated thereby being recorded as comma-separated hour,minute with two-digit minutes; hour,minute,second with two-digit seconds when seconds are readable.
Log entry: 3,40
